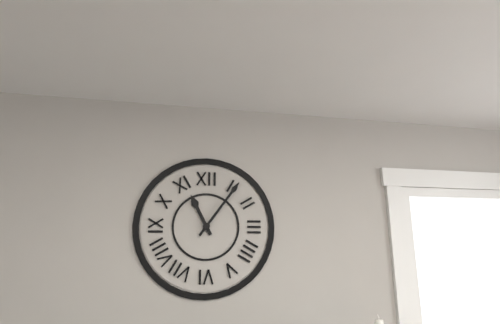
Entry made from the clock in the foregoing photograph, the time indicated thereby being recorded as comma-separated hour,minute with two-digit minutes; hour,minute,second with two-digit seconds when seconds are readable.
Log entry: 11,06
